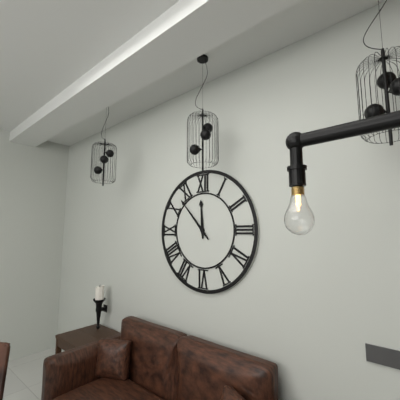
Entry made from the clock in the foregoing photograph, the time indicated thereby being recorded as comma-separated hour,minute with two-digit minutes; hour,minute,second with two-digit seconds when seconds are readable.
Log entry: 11,53
